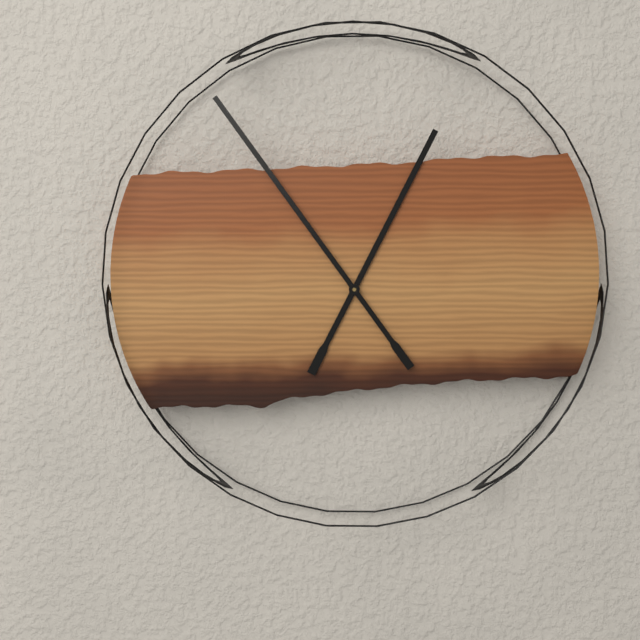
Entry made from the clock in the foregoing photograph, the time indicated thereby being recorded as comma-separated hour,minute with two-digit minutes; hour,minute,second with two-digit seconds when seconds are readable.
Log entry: 12,54
